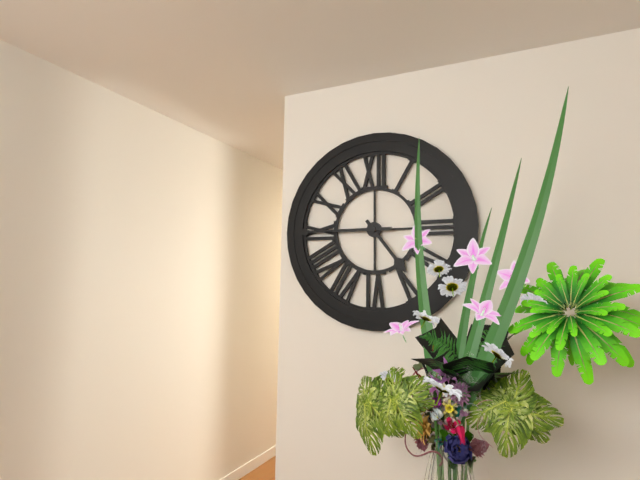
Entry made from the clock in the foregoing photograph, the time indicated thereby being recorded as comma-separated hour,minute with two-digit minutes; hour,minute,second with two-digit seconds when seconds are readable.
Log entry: 4,45
